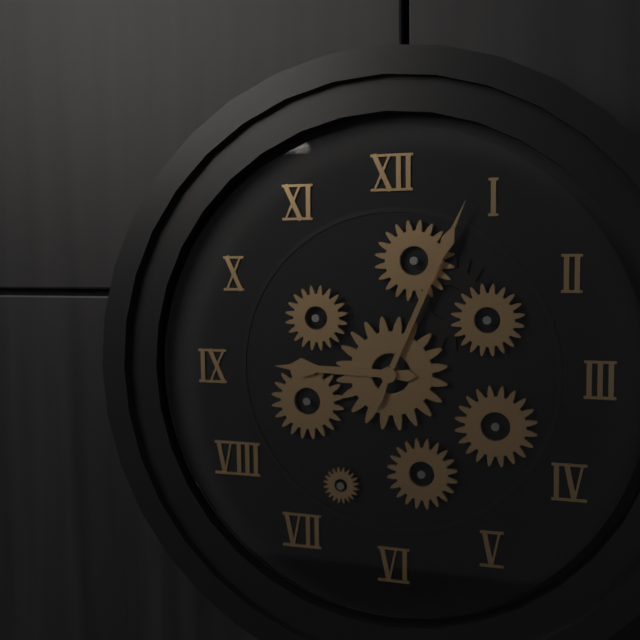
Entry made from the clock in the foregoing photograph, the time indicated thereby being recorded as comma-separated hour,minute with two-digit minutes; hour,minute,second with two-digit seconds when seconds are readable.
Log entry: 9,04
